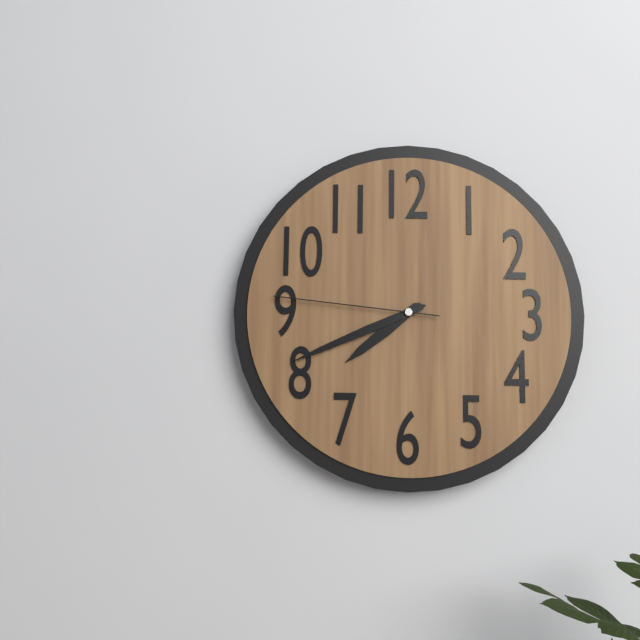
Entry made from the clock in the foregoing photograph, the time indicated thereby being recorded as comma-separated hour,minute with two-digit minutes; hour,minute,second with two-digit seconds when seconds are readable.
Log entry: 7,41,46
